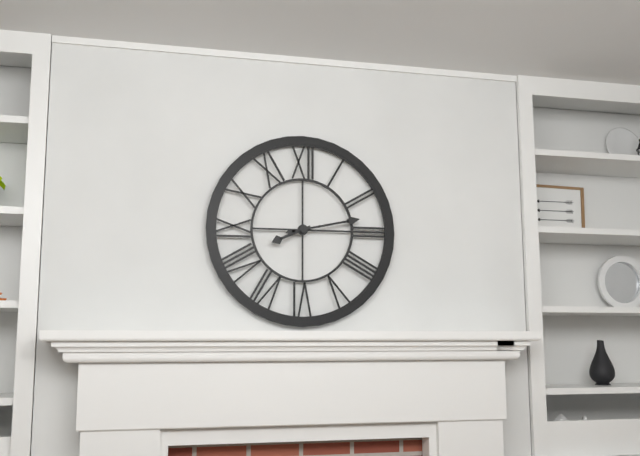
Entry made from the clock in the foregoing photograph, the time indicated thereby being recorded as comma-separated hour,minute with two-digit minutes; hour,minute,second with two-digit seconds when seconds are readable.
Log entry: 8,13
